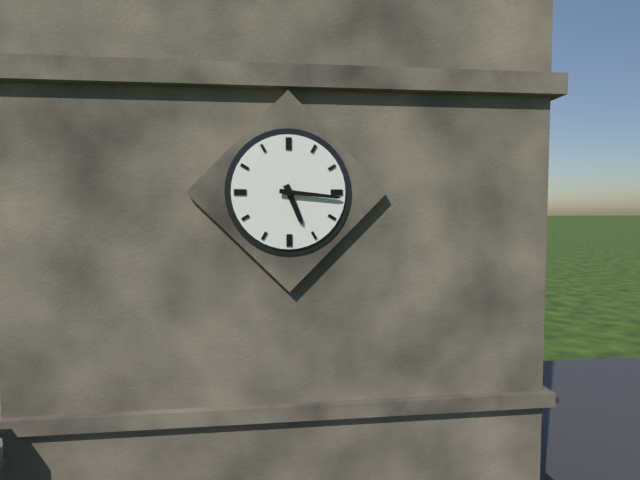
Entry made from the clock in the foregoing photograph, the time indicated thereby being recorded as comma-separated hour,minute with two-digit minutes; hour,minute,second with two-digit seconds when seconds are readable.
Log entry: 5,16
